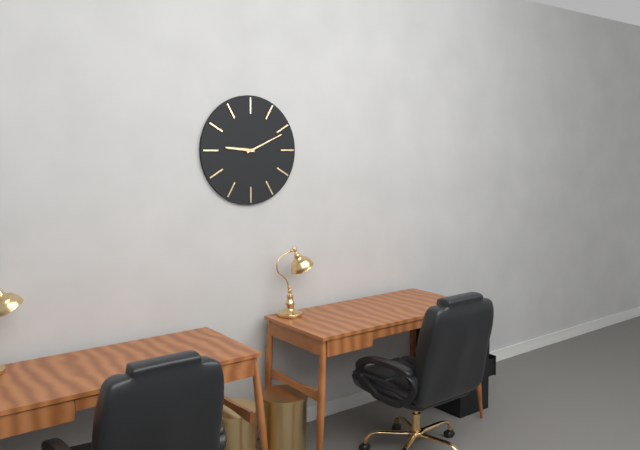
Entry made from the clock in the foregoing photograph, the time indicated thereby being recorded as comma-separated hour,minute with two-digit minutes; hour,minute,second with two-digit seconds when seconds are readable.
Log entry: 9,11
